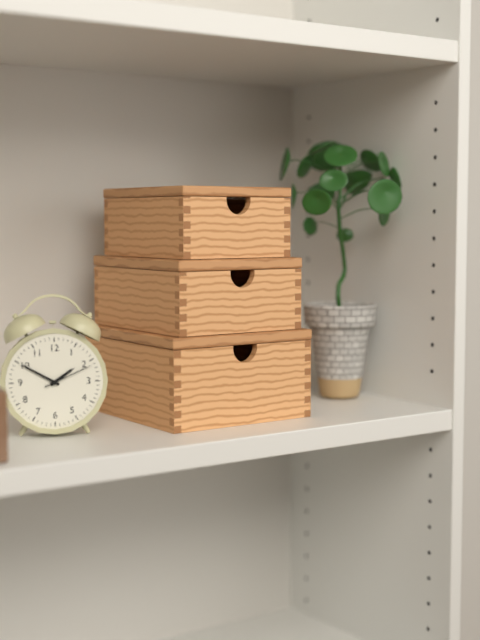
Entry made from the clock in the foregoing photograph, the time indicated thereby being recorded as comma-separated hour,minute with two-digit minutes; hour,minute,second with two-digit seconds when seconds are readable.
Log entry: 1,50,11
